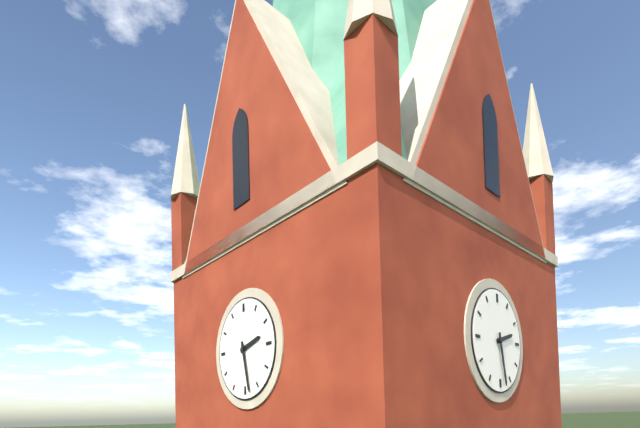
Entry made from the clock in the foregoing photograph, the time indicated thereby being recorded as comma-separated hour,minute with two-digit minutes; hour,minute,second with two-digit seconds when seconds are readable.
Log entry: 2,28
